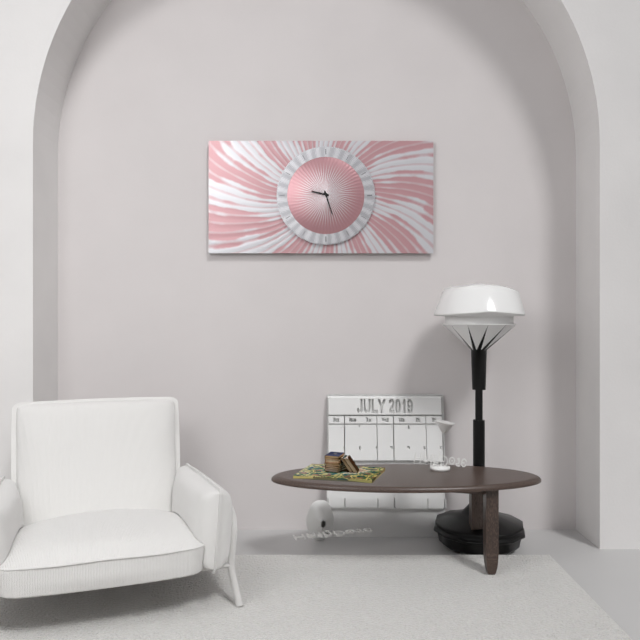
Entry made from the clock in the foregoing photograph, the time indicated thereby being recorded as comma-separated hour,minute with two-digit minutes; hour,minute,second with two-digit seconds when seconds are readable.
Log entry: 9,27
